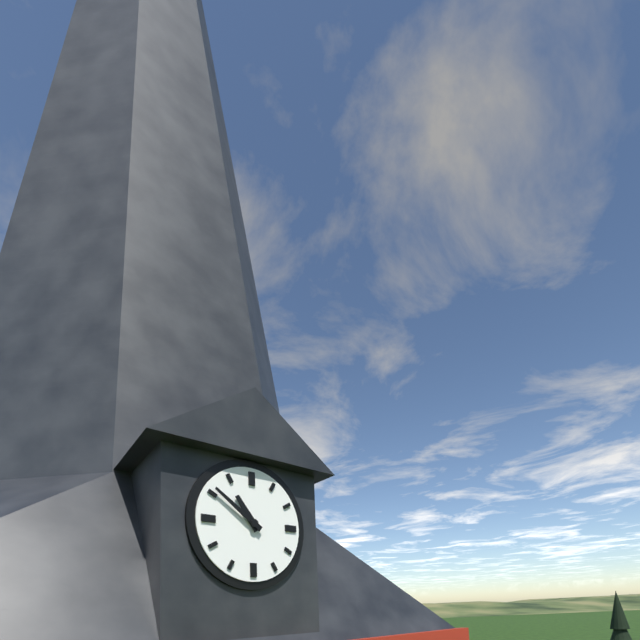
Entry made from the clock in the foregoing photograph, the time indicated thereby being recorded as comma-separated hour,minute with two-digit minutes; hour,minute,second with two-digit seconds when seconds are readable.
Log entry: 10,51
